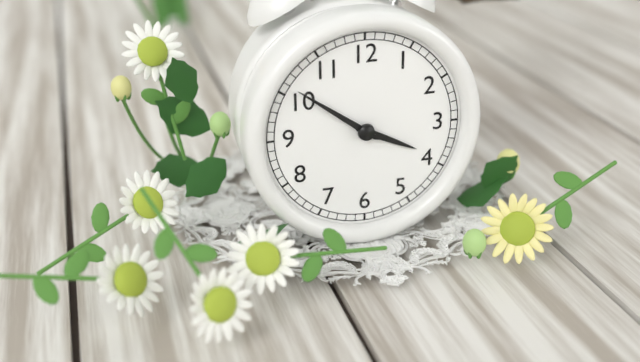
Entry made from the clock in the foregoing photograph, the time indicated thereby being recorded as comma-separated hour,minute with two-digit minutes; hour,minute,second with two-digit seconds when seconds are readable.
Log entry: 3,51
